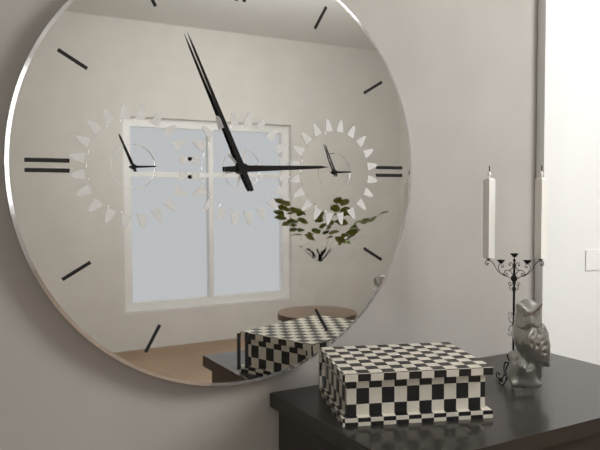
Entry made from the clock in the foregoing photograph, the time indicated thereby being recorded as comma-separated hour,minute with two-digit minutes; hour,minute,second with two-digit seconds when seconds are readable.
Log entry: 2,56
